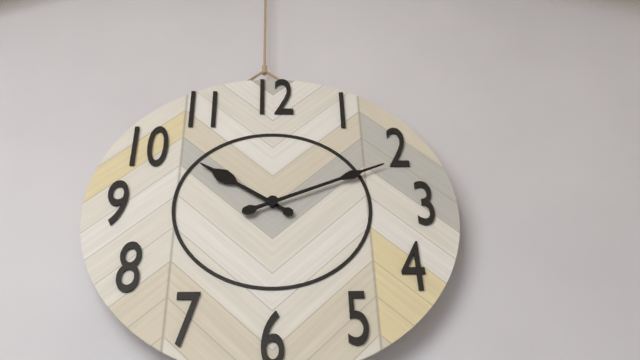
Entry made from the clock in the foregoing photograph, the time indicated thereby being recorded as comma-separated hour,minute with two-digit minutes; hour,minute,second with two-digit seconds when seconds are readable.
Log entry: 10,11
